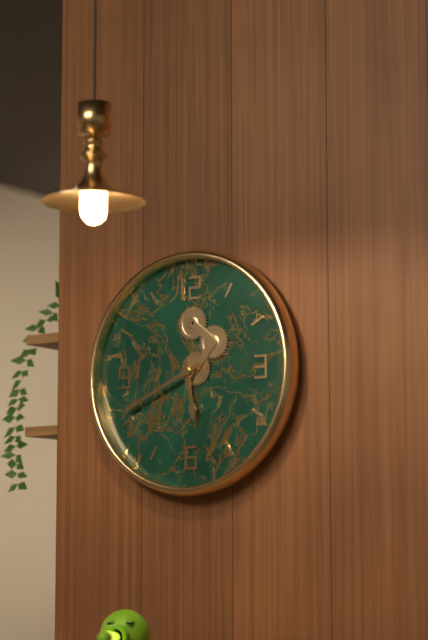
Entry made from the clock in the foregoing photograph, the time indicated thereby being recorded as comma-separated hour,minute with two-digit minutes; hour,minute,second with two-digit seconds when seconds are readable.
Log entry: 5,41
